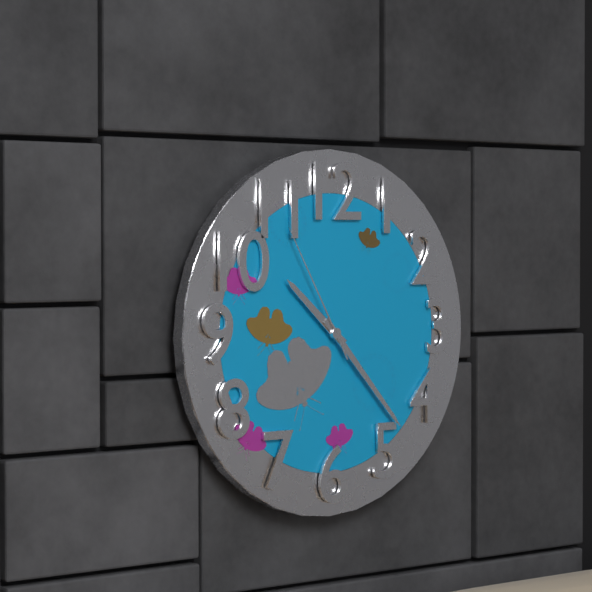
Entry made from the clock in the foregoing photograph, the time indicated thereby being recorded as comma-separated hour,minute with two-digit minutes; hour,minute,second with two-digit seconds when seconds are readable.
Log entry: 10,23,55
